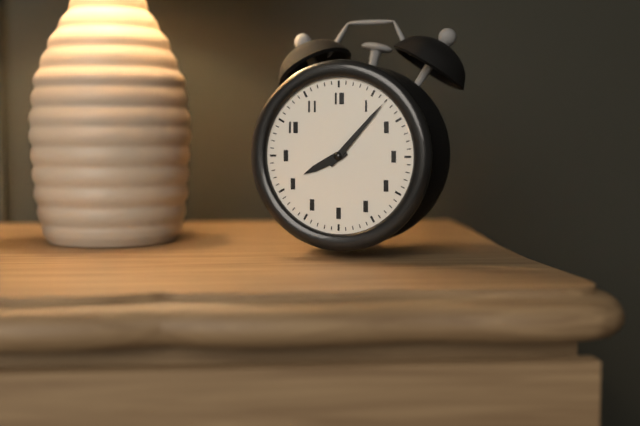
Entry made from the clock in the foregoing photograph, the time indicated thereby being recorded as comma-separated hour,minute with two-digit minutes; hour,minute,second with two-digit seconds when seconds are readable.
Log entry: 8,07
